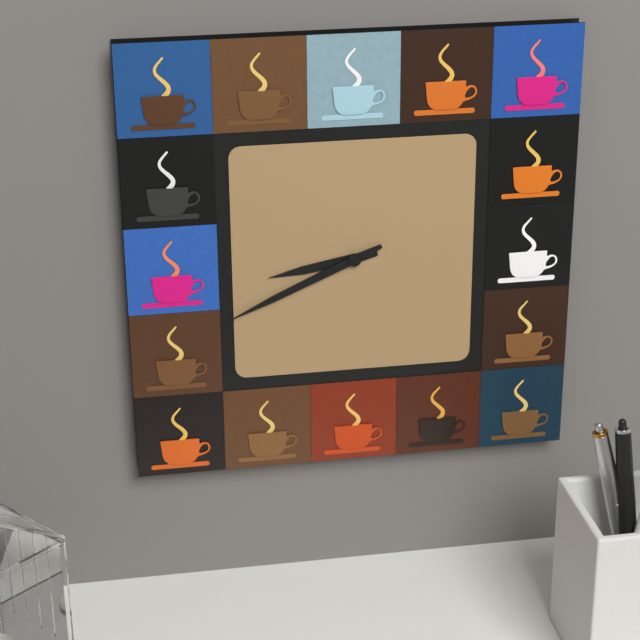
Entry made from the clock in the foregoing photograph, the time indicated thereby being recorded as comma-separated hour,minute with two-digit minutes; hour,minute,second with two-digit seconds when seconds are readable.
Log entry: 8,41
